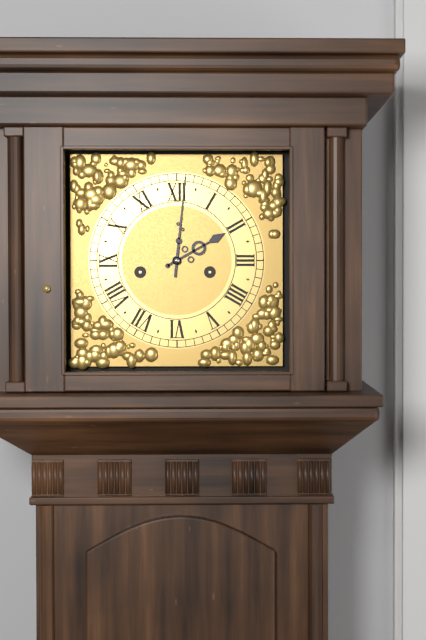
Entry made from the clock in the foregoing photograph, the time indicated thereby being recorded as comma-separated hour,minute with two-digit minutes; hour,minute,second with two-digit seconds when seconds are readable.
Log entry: 2,01
